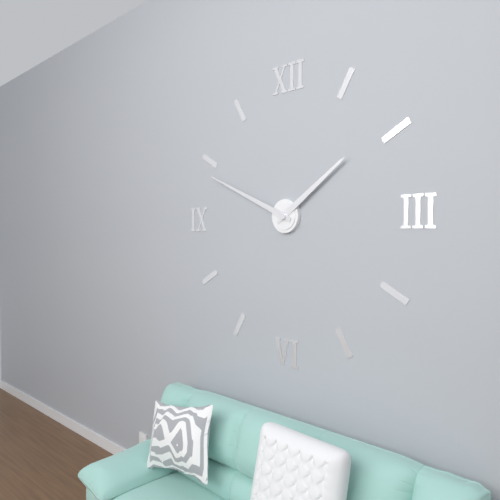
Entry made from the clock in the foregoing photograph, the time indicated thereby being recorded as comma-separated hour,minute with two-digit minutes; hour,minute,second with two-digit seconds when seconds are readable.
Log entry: 1,49
